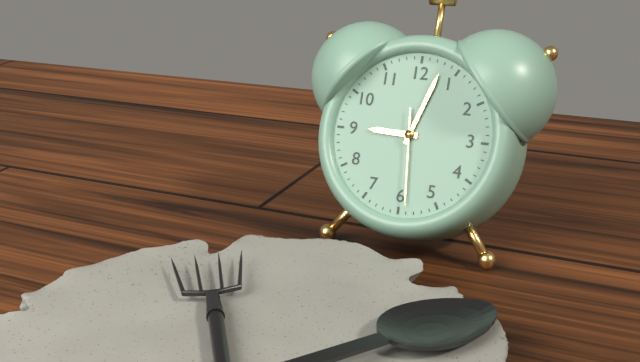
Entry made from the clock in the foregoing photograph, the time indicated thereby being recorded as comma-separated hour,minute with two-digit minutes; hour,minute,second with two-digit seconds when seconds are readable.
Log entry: 9,03,29
